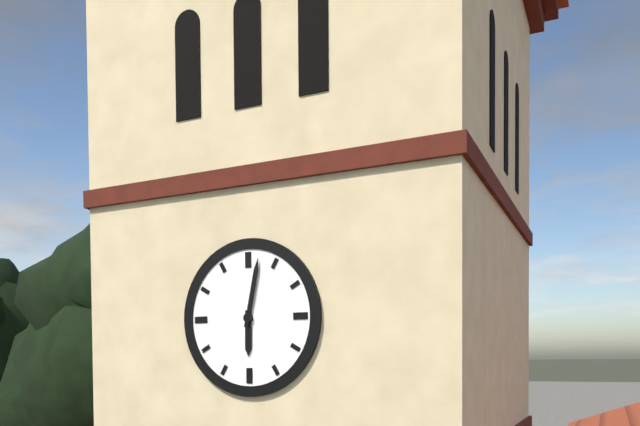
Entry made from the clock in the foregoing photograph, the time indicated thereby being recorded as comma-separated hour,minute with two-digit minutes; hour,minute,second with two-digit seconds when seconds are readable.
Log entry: 6,02
